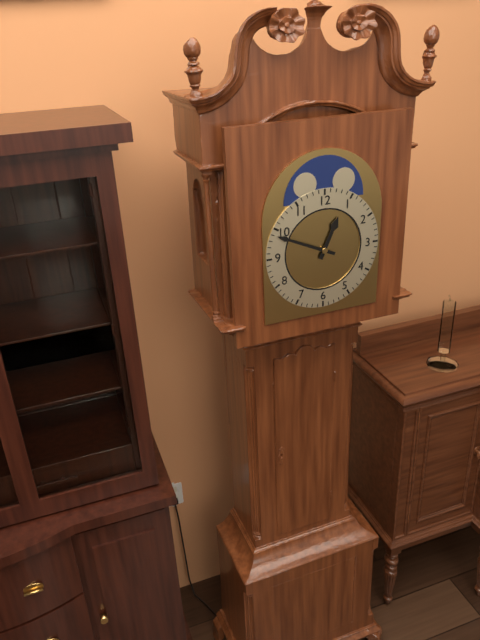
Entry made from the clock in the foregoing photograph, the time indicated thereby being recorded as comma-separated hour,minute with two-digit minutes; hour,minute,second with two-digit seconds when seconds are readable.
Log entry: 12,49
